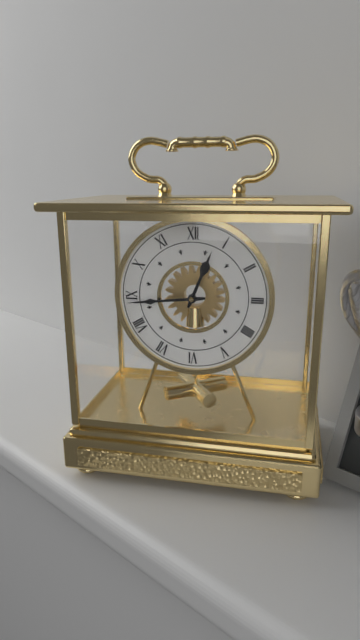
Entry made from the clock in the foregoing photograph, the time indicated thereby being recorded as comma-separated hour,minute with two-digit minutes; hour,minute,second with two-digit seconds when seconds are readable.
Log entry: 12,44
